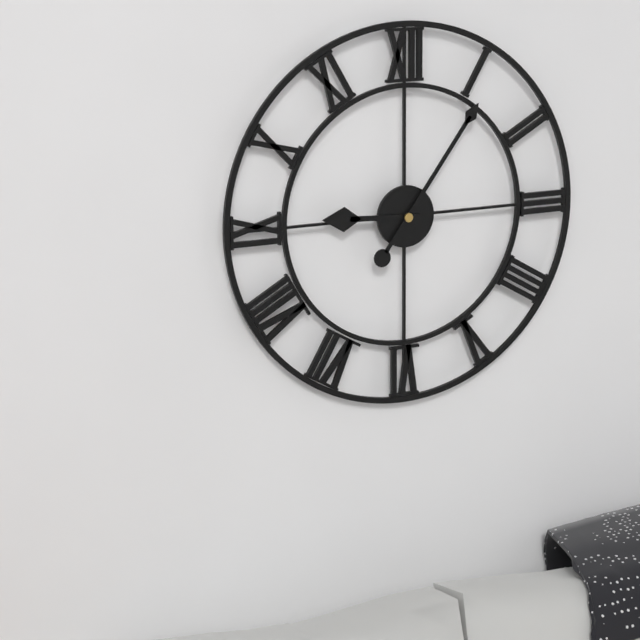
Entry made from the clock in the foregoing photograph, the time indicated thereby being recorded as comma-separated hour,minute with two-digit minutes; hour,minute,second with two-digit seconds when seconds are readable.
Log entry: 9,06
